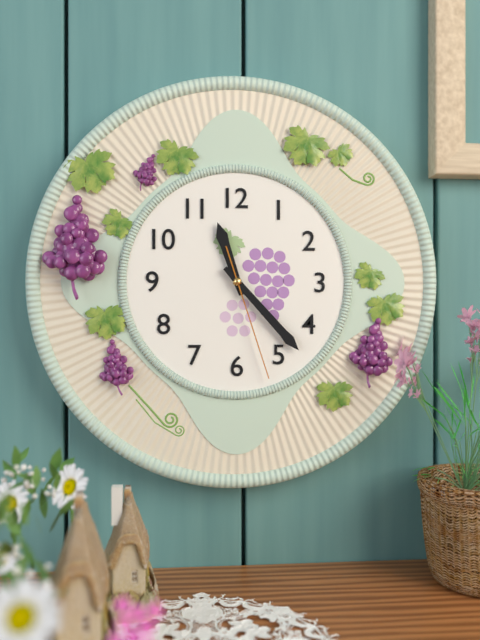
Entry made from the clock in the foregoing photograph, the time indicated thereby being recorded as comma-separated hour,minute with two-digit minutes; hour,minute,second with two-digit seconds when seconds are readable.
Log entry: 11,23,27
